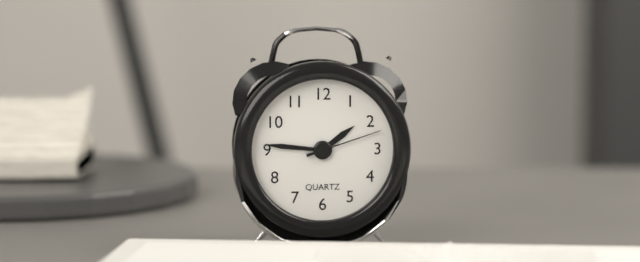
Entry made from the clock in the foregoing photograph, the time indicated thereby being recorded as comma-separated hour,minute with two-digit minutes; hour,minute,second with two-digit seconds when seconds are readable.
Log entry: 1,46,12
